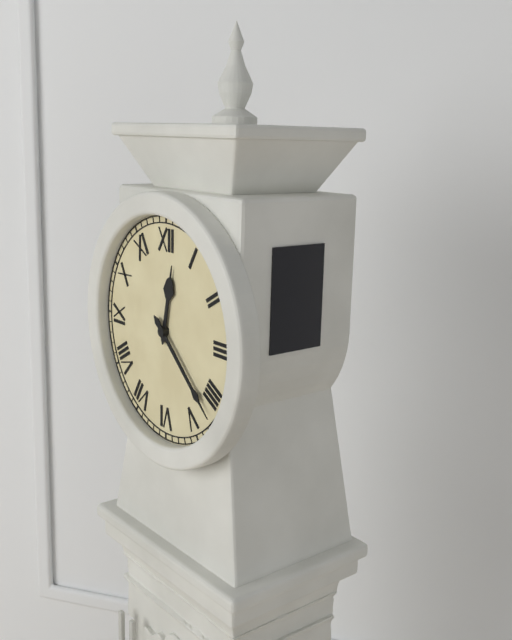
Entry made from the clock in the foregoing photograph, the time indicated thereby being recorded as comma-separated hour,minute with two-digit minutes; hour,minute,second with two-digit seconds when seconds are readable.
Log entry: 12,22
